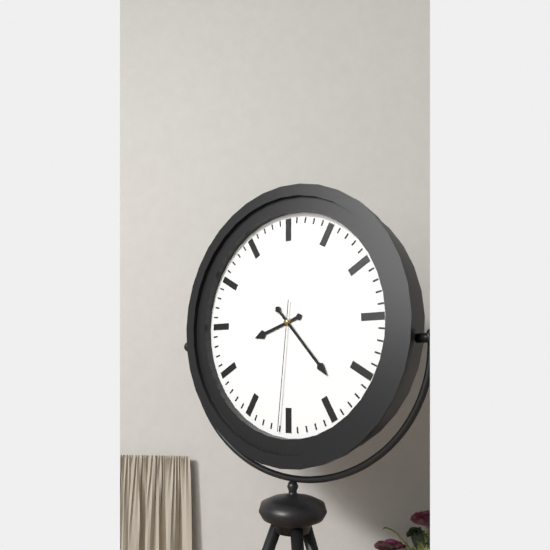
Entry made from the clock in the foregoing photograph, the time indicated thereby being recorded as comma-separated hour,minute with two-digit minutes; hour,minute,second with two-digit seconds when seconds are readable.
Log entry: 8,23,31
